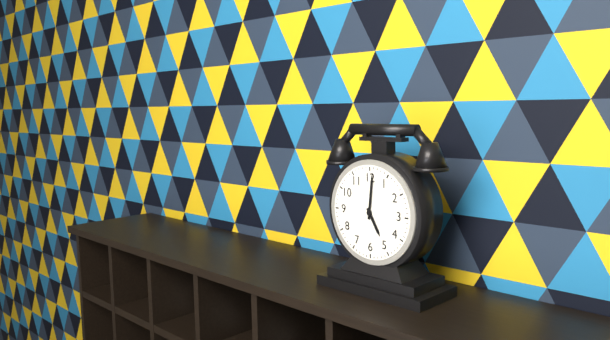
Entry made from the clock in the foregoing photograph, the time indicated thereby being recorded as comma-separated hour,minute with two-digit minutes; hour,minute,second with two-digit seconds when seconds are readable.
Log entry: 5,01
